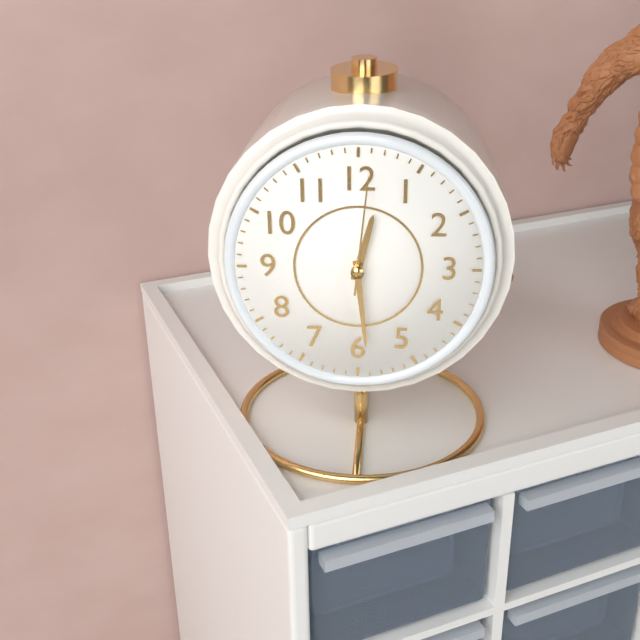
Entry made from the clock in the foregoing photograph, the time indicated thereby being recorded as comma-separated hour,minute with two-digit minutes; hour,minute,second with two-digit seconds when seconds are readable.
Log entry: 12,29,01
